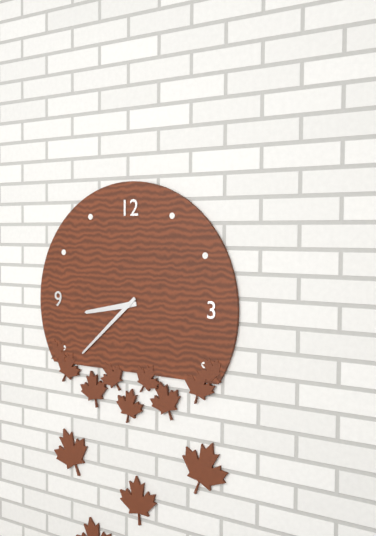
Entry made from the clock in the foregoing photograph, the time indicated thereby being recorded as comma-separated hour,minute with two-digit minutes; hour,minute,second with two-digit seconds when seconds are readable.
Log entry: 8,38
